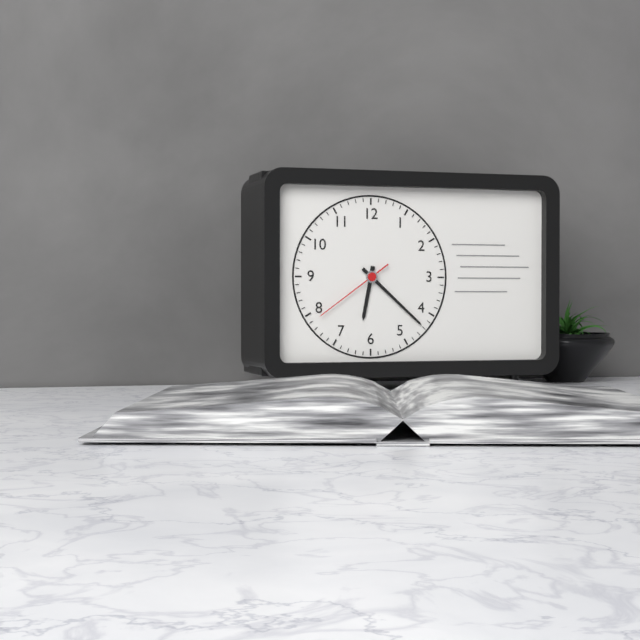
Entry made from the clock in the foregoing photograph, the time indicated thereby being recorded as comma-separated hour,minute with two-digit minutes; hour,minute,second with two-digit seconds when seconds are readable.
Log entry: 6,22,39
